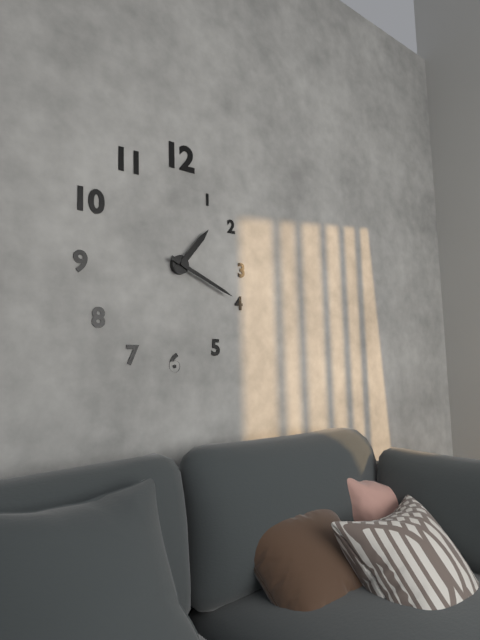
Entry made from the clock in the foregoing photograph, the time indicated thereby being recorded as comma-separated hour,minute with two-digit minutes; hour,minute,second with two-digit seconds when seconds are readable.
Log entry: 1,19
